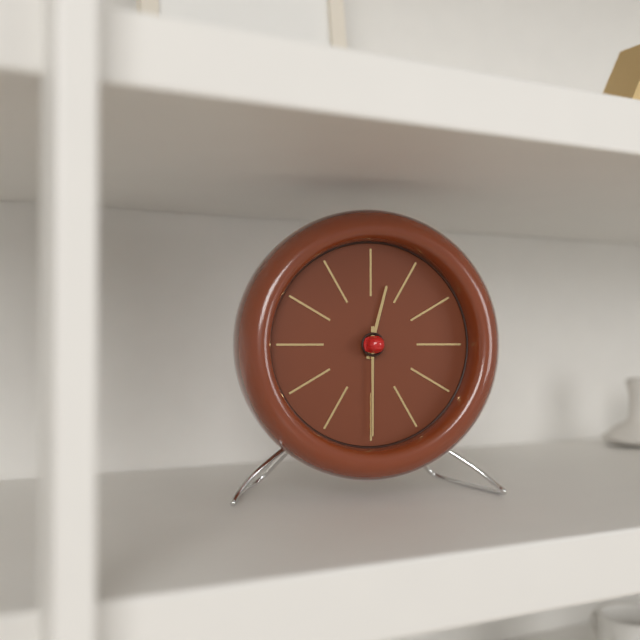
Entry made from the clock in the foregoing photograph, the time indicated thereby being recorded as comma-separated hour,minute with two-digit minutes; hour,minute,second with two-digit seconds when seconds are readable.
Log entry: 12,30
